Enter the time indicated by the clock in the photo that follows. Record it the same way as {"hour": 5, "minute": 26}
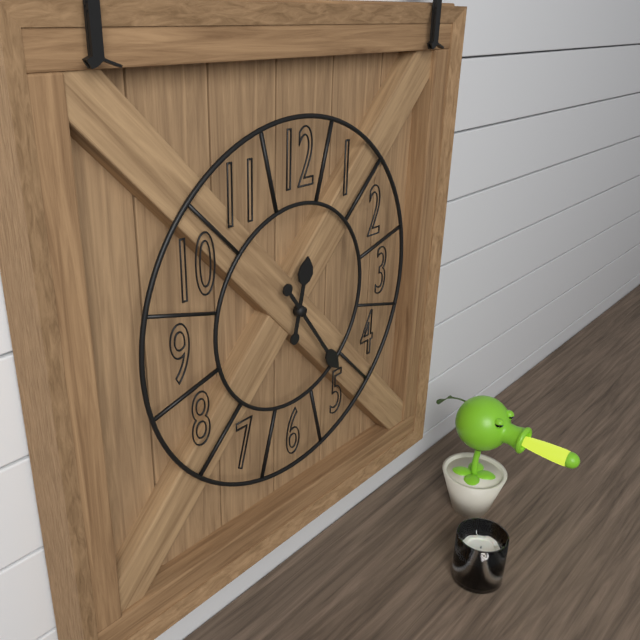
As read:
{"hour": 12, "minute": 24}
